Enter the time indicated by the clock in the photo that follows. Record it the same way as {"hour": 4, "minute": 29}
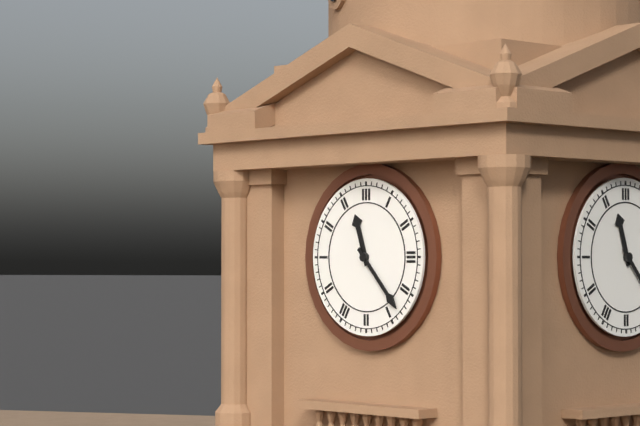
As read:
{"hour": 11, "minute": 23}
